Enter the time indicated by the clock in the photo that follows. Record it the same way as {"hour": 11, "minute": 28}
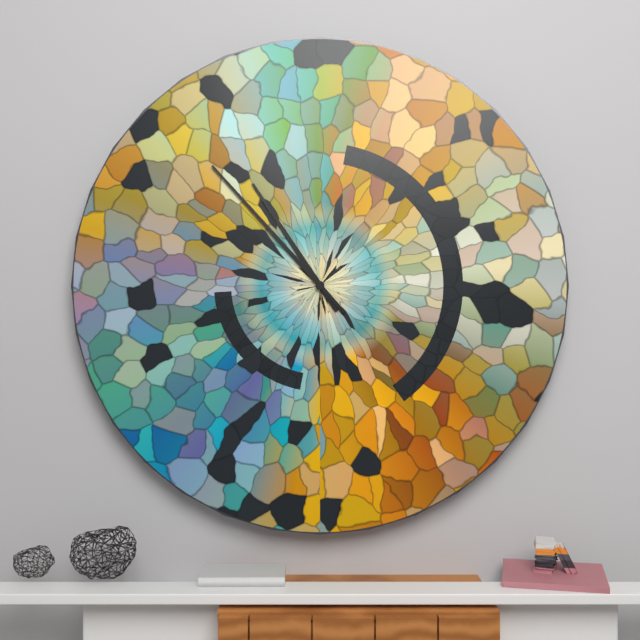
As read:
{"hour": 10, "minute": 53}
